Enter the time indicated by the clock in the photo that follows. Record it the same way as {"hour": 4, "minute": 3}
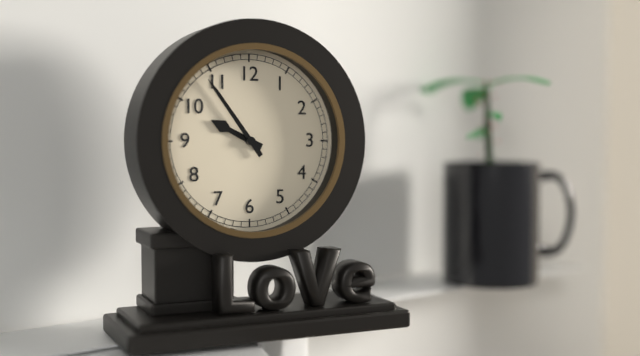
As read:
{"hour": 9, "minute": 54}
